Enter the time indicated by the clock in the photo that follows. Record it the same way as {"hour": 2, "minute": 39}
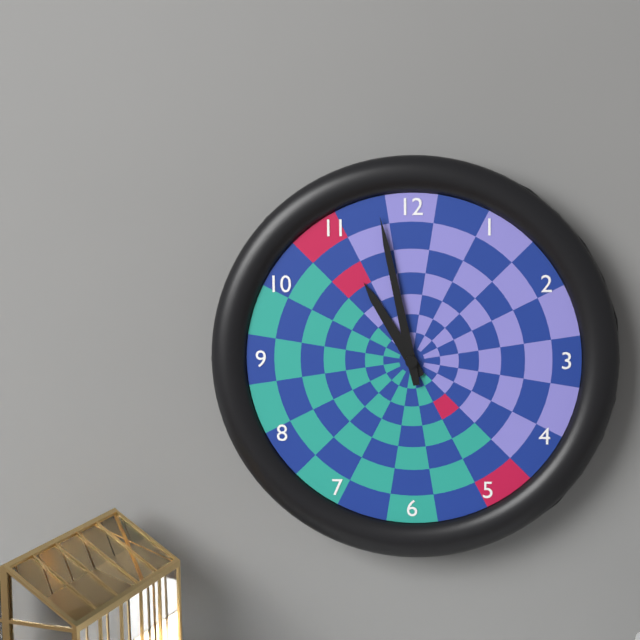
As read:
{"hour": 10, "minute": 58}
